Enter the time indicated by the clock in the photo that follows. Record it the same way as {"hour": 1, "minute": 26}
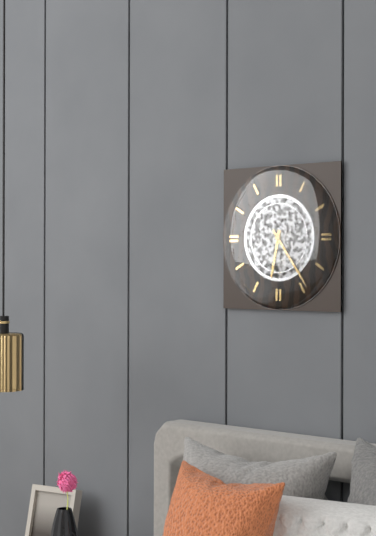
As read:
{"hour": 6, "minute": 24}
